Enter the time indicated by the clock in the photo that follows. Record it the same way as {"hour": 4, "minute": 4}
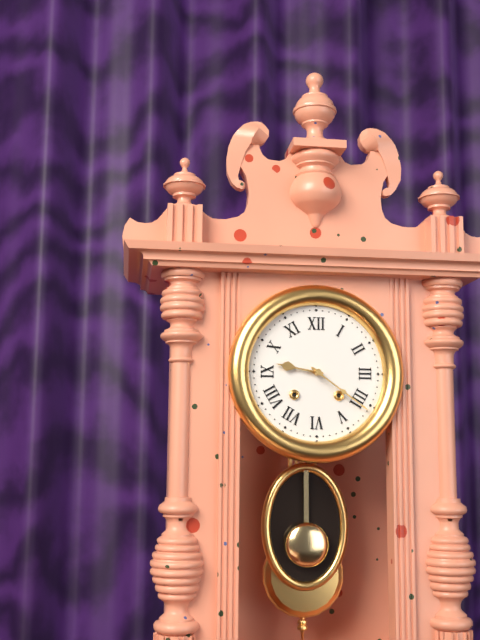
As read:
{"hour": 9, "minute": 21}
